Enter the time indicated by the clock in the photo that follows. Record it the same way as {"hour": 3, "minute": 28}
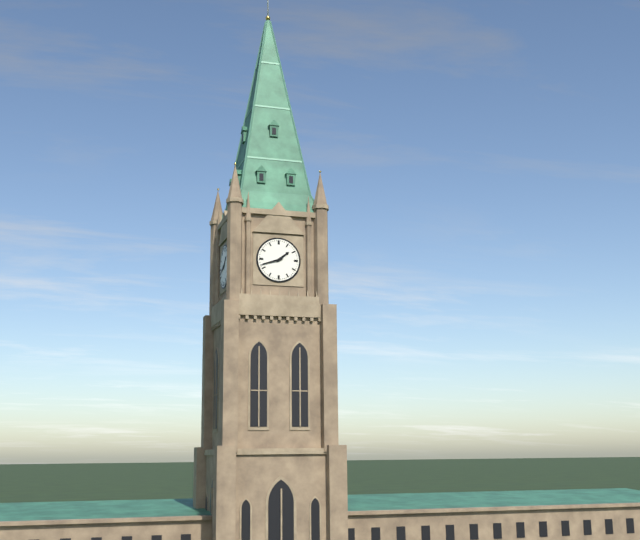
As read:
{"hour": 1, "minute": 42}
